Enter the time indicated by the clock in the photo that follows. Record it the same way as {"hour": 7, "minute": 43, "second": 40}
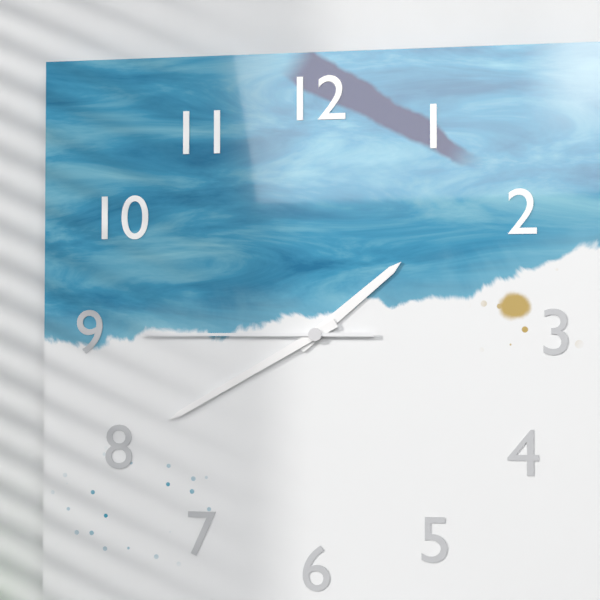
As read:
{"hour": 1, "minute": 40, "second": 45}
